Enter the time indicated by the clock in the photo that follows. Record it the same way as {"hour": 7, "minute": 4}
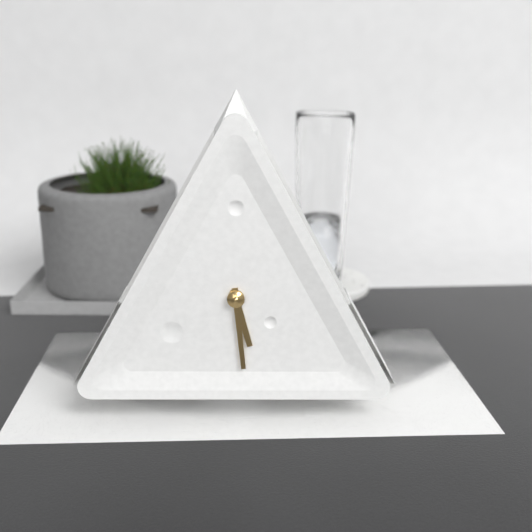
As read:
{"hour": 5, "minute": 29}
